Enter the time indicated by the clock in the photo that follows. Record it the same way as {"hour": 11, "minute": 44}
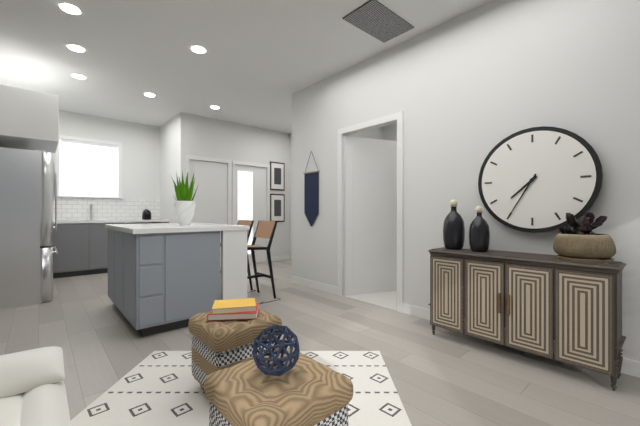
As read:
{"hour": 7, "minute": 35}
